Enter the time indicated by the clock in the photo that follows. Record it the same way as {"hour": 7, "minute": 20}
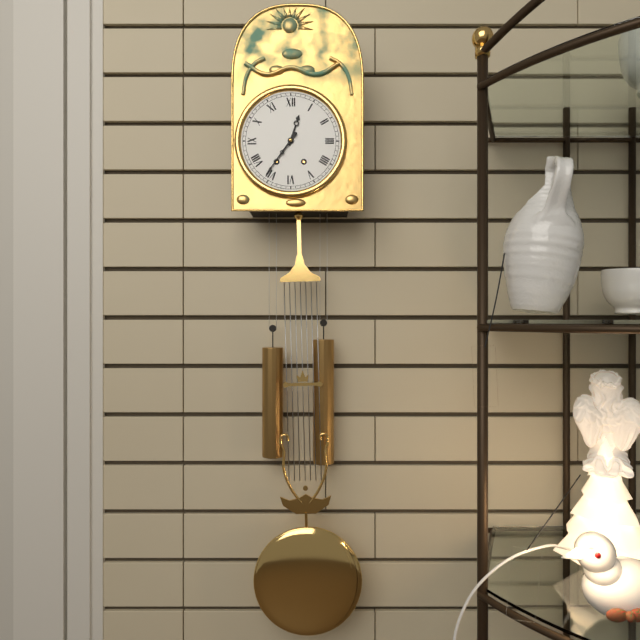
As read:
{"hour": 12, "minute": 36}
